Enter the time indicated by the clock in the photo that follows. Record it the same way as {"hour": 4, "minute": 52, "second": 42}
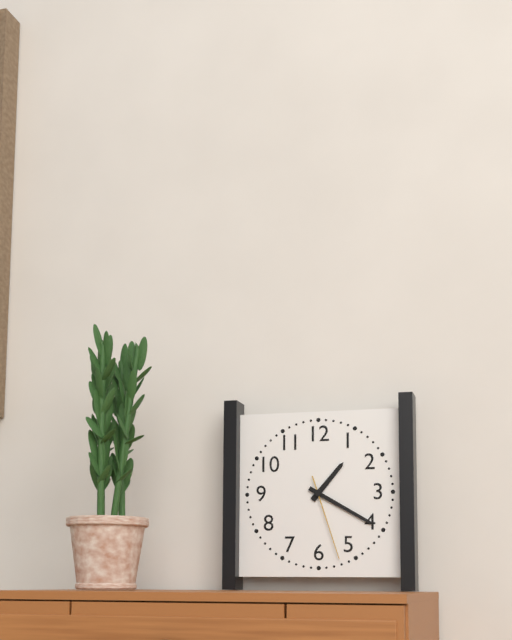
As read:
{"hour": 1, "minute": 20, "second": 27}
